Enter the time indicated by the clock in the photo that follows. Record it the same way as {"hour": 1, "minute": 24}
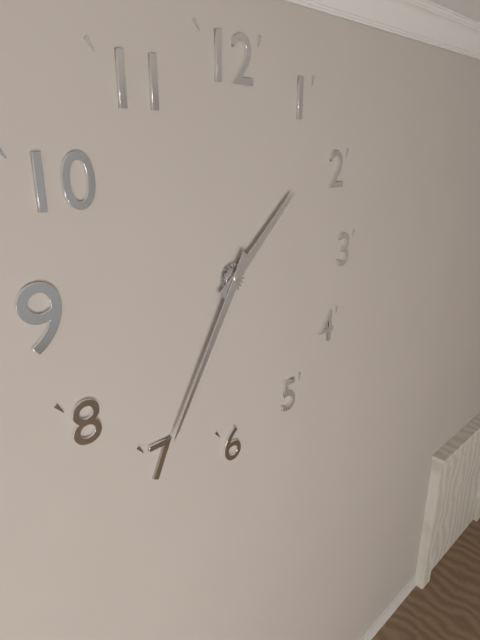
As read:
{"hour": 1, "minute": 35}
